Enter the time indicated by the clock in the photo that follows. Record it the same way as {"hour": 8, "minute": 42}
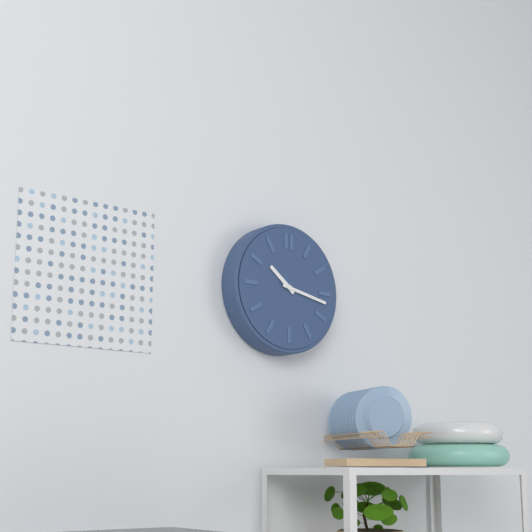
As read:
{"hour": 10, "minute": 17}
